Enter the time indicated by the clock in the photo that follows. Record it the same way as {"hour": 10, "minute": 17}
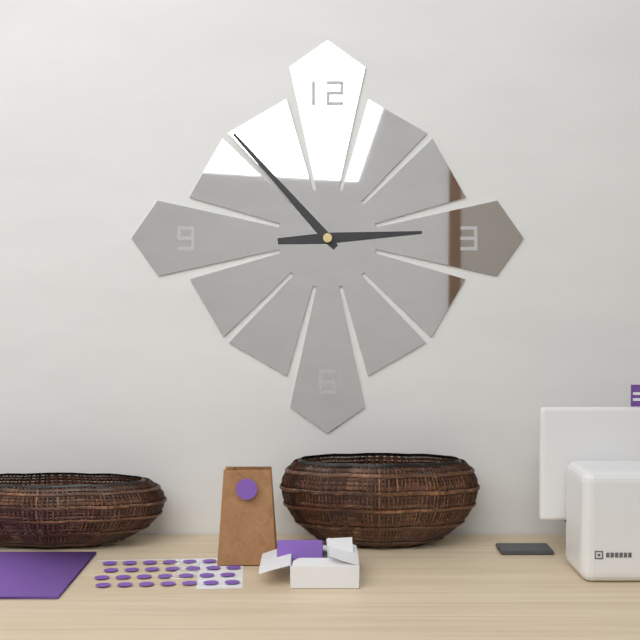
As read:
{"hour": 2, "minute": 53}
